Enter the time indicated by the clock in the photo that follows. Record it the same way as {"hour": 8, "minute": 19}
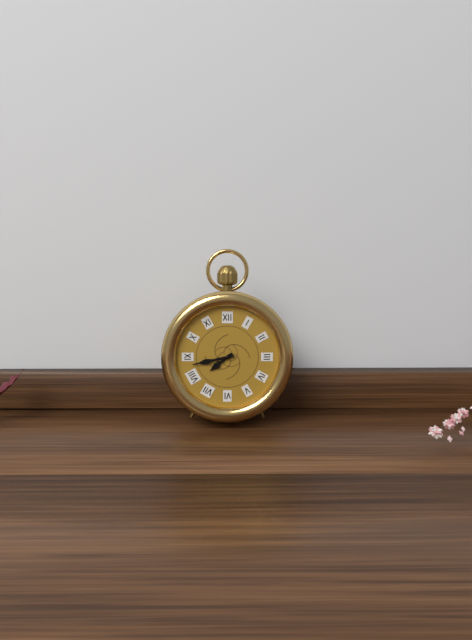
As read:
{"hour": 7, "minute": 43}
